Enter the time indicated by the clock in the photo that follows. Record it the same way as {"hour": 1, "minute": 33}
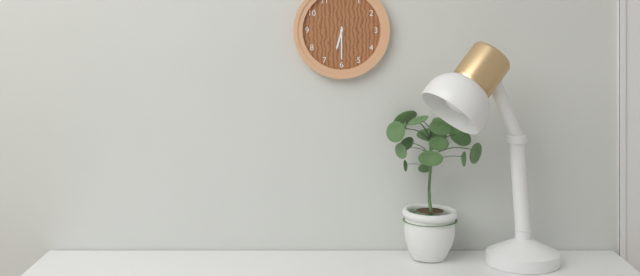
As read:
{"hour": 6, "minute": 30}
